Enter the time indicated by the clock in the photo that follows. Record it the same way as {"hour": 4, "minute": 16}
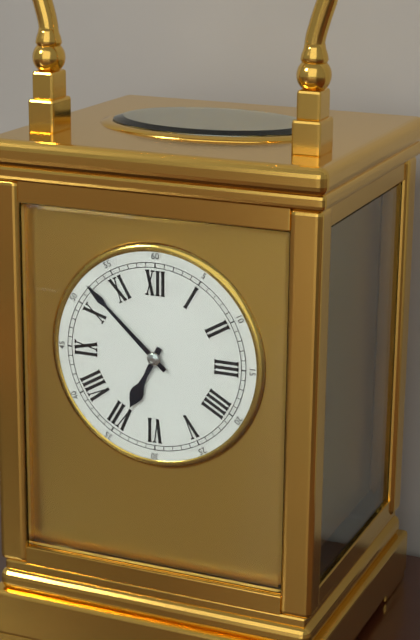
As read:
{"hour": 6, "minute": 52}
